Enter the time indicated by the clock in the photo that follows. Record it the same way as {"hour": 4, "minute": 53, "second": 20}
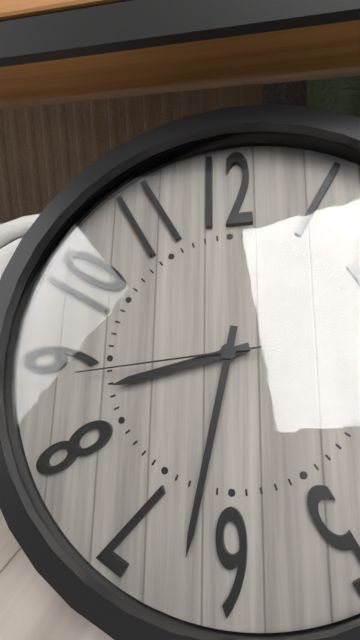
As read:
{"hour": 8, "minute": 32, "second": 44}
